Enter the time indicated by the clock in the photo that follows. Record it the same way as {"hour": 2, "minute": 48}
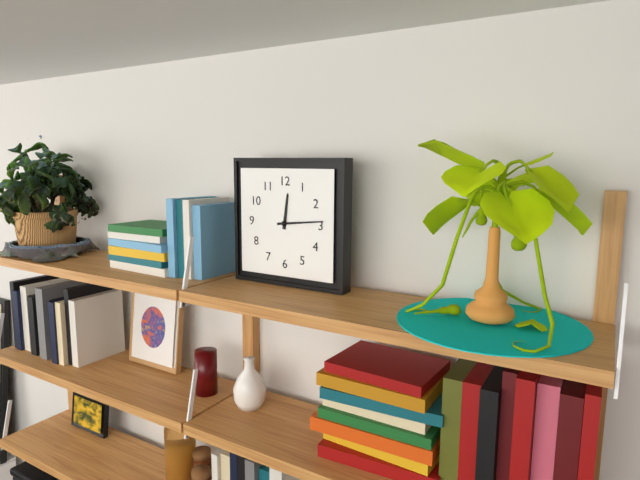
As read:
{"hour": 12, "minute": 14}
